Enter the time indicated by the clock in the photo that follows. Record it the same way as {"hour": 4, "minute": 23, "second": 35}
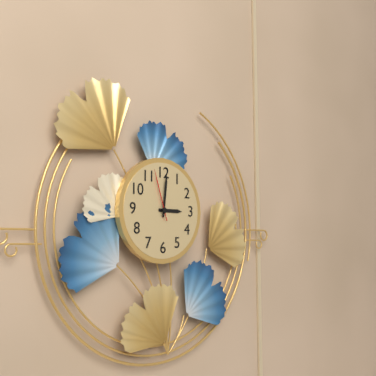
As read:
{"hour": 3, "minute": 1, "second": 57}
